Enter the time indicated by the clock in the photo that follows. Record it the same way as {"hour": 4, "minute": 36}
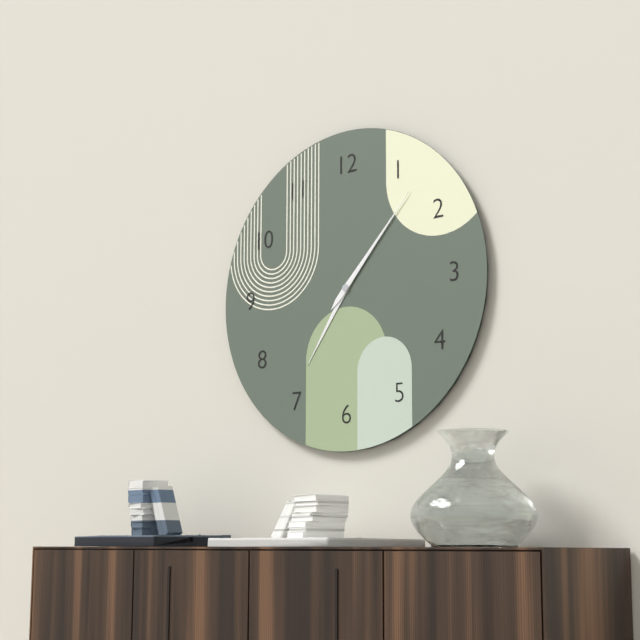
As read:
{"hour": 7, "minute": 7}
